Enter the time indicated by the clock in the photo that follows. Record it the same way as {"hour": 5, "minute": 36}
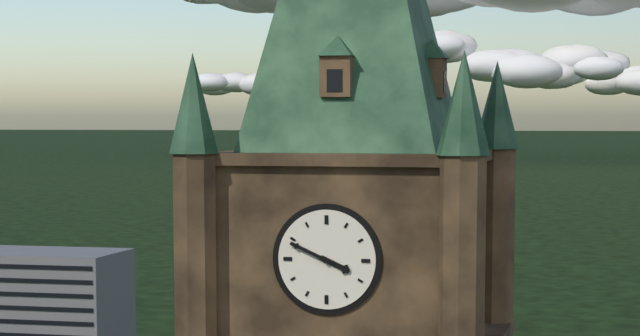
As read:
{"hour": 3, "minute": 49}
